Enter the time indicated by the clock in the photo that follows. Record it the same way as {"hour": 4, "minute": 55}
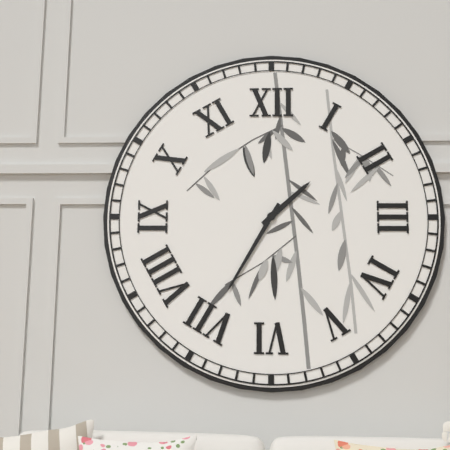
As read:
{"hour": 1, "minute": 35}
